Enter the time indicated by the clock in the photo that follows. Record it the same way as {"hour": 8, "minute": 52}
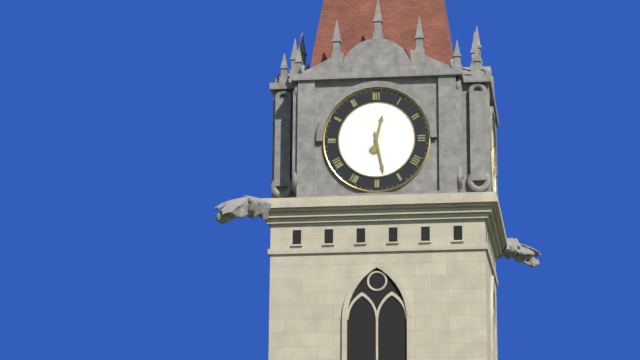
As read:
{"hour": 12, "minute": 28}
